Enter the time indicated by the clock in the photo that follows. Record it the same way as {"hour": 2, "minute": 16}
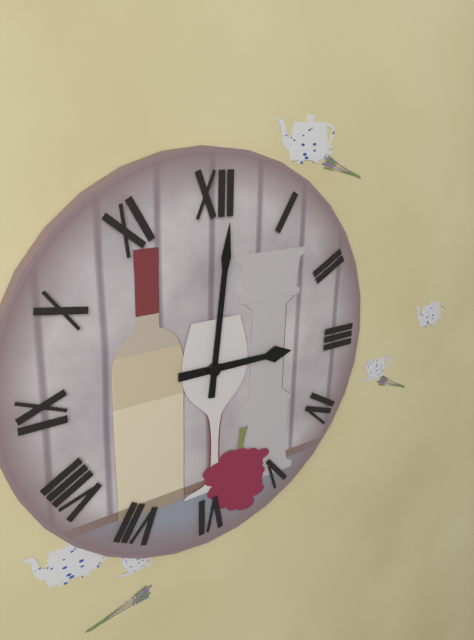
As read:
{"hour": 3, "minute": 1}
